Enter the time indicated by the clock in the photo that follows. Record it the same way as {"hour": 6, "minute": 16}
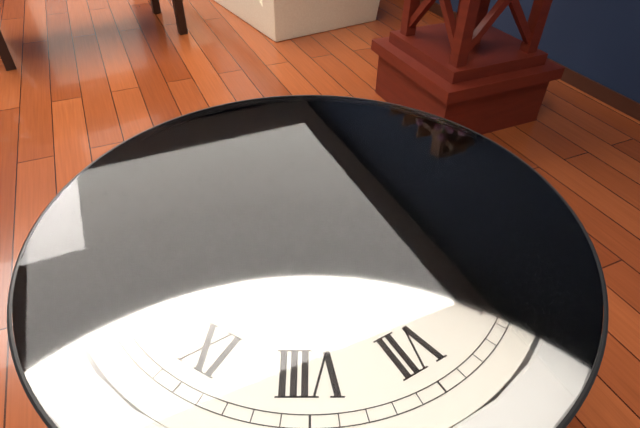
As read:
{"hour": 8, "minute": 26}
